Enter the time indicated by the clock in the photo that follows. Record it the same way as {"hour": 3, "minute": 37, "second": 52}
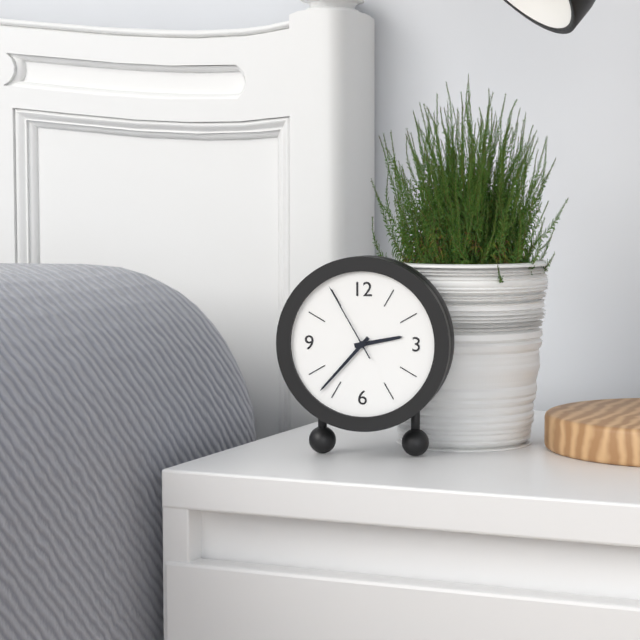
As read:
{"hour": 2, "minute": 37, "second": 55}
